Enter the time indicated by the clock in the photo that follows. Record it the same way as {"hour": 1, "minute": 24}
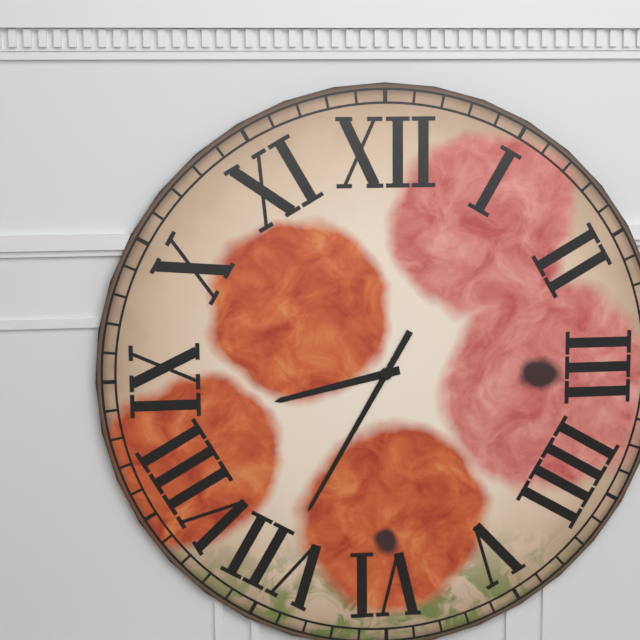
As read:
{"hour": 8, "minute": 35}
